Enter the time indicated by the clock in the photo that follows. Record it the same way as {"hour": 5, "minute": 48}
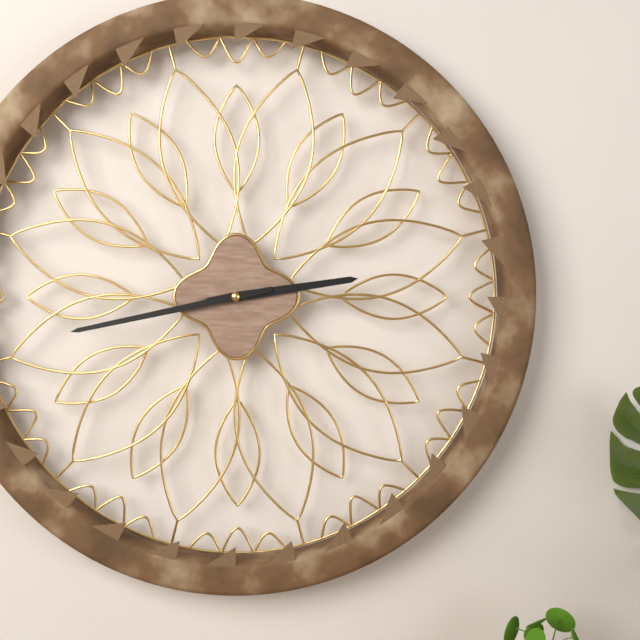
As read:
{"hour": 2, "minute": 43}
